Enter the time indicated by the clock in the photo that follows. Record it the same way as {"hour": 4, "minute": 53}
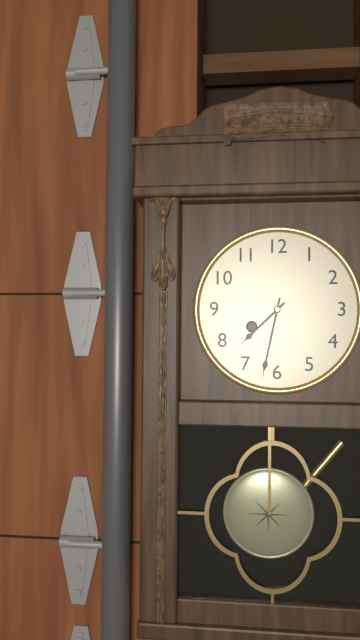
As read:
{"hour": 7, "minute": 32}
